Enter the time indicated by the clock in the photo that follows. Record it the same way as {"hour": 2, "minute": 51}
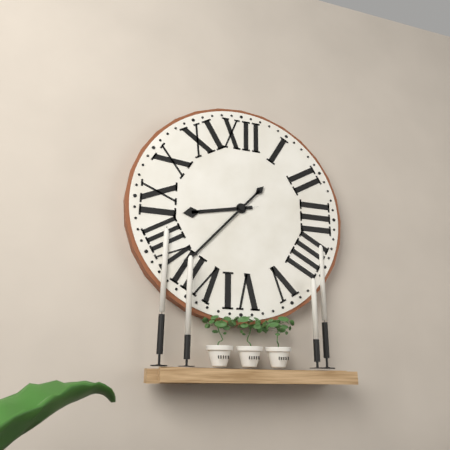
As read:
{"hour": 8, "minute": 37}
